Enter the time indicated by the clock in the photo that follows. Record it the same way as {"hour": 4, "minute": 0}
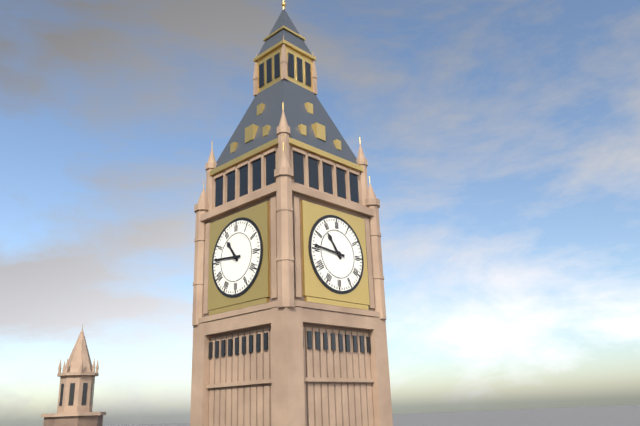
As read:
{"hour": 10, "minute": 46}
